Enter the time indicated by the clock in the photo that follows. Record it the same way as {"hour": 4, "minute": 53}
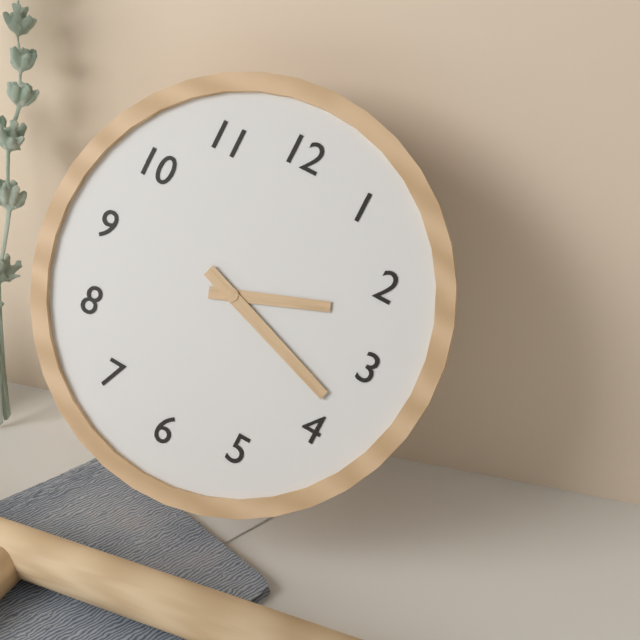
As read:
{"hour": 2, "minute": 18}
